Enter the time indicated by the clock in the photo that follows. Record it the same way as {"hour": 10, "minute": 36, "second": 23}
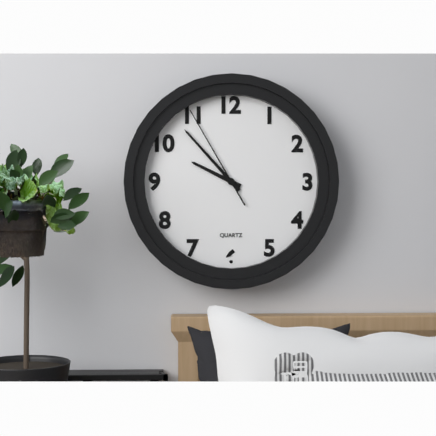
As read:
{"hour": 9, "minute": 53, "second": 55}
